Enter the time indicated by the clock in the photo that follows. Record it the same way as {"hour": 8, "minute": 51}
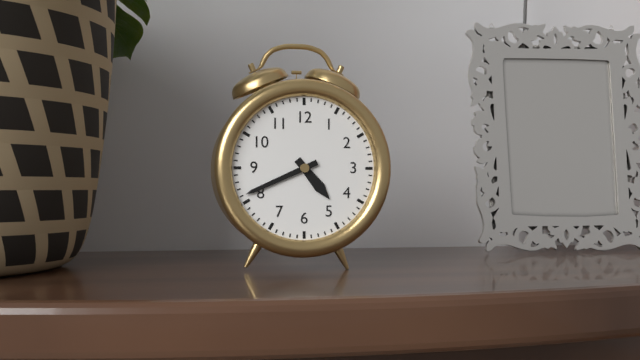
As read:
{"hour": 4, "minute": 41}
